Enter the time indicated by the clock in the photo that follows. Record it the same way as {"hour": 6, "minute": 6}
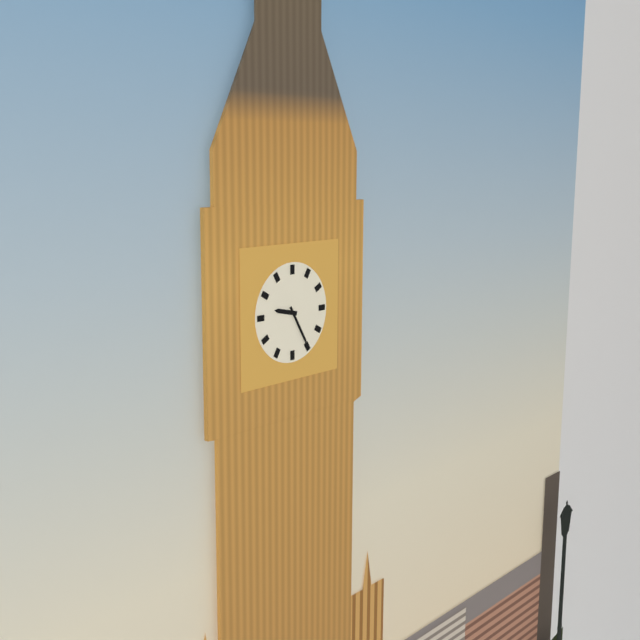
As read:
{"hour": 9, "minute": 25}
